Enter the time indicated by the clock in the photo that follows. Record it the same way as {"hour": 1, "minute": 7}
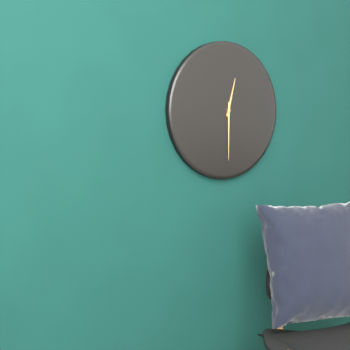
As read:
{"hour": 12, "minute": 30}
